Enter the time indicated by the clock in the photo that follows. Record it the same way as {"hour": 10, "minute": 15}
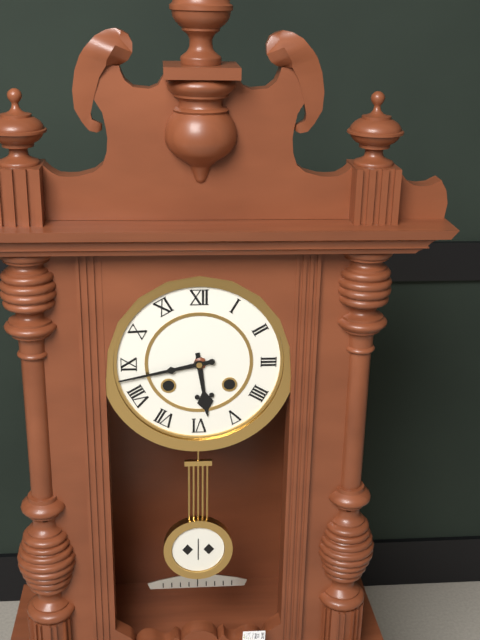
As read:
{"hour": 5, "minute": 43}
